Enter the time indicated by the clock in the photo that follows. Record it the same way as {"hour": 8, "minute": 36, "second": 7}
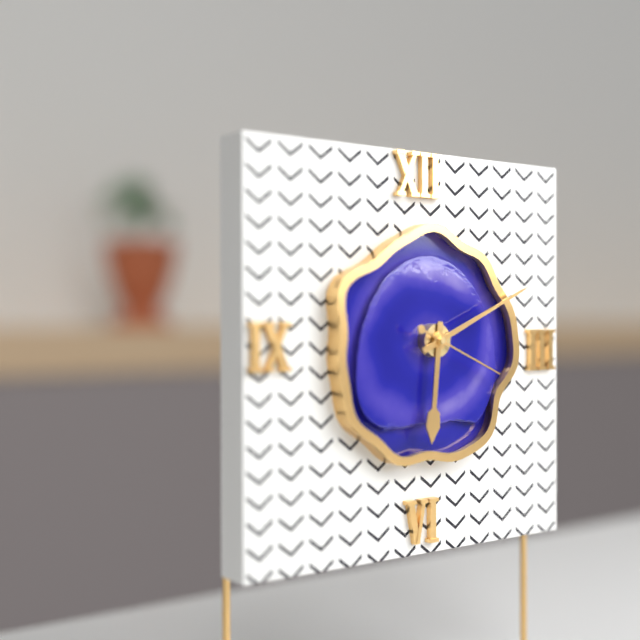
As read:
{"hour": 6, "minute": 11, "second": 19}
